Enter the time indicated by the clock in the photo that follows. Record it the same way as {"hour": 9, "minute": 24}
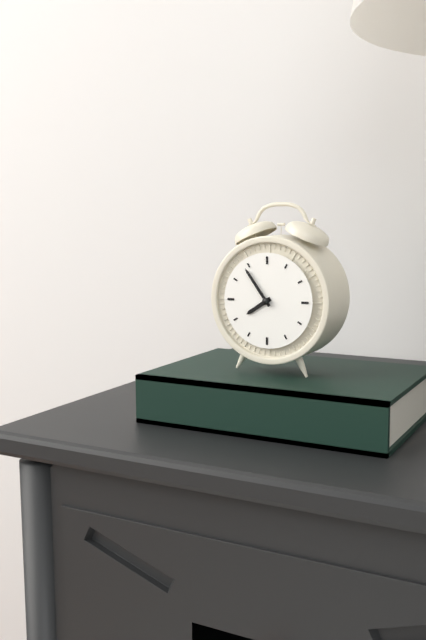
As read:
{"hour": 7, "minute": 54}
